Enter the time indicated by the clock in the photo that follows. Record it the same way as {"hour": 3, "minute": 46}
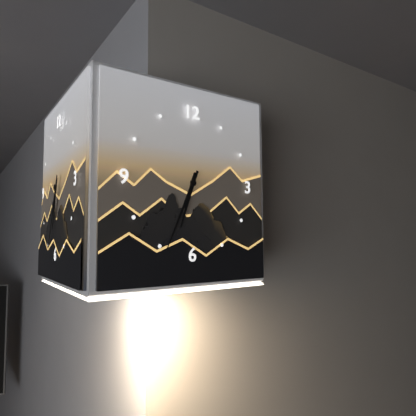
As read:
{"hour": 6, "minute": 34}
